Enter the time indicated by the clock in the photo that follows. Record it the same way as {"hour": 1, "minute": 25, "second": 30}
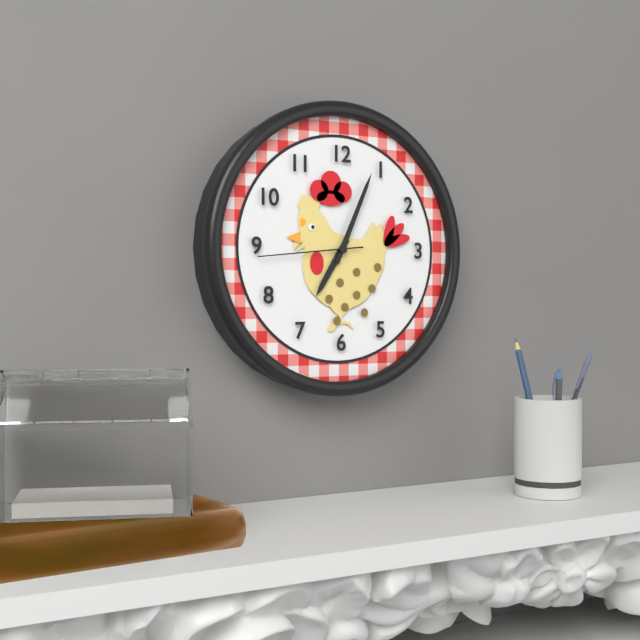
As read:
{"hour": 7, "minute": 4, "second": 44}
